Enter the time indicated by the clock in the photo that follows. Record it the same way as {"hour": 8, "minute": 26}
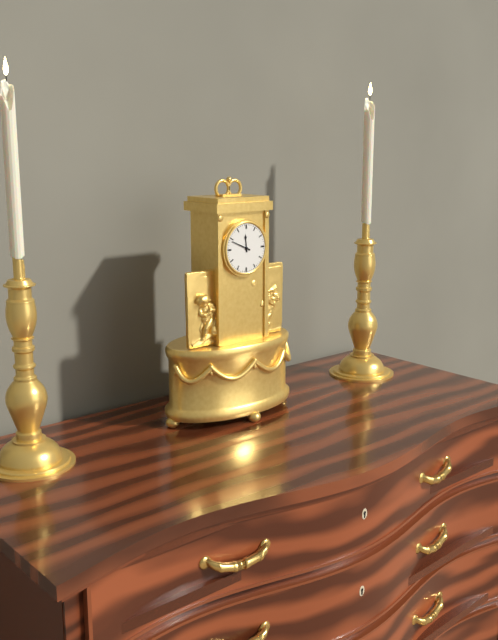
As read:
{"hour": 11, "minute": 49}
